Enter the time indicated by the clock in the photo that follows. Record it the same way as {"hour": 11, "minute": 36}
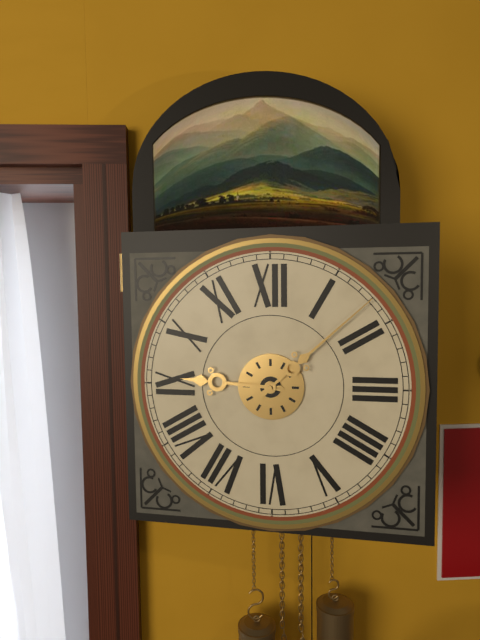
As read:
{"hour": 9, "minute": 8}
